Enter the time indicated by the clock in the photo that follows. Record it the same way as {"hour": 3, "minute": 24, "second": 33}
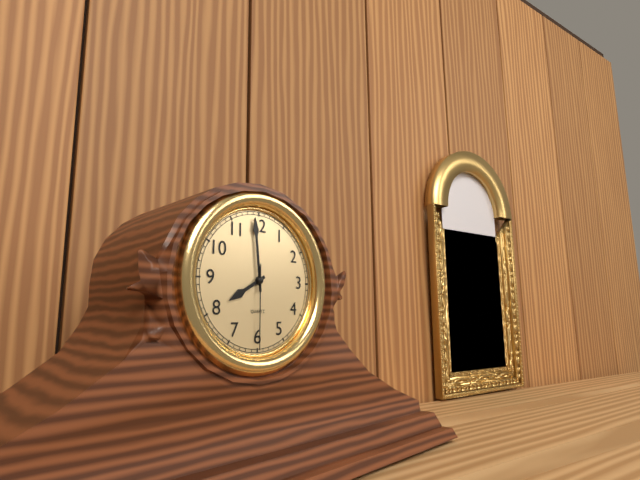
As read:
{"hour": 7, "minute": 59, "second": 30}
